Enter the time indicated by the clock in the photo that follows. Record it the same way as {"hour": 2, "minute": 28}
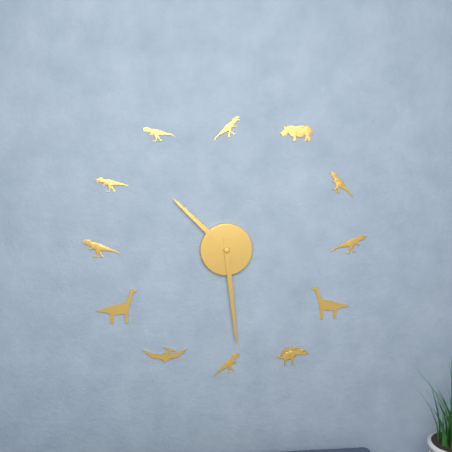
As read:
{"hour": 10, "minute": 29}
